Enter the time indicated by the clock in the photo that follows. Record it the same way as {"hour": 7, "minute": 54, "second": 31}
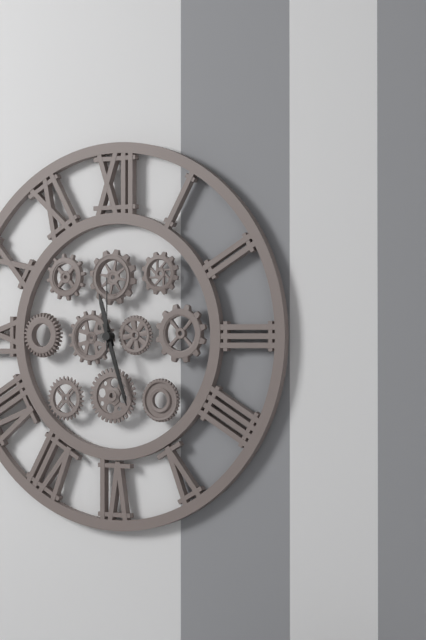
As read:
{"hour": 11, "minute": 27, "second": 0}
